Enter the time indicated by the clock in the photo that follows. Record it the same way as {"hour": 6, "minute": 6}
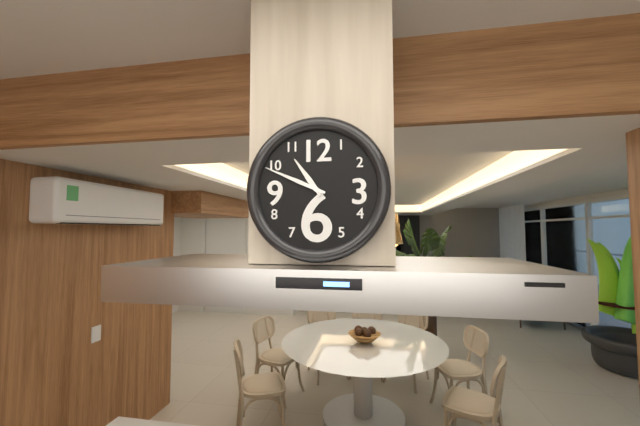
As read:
{"hour": 10, "minute": 49}
